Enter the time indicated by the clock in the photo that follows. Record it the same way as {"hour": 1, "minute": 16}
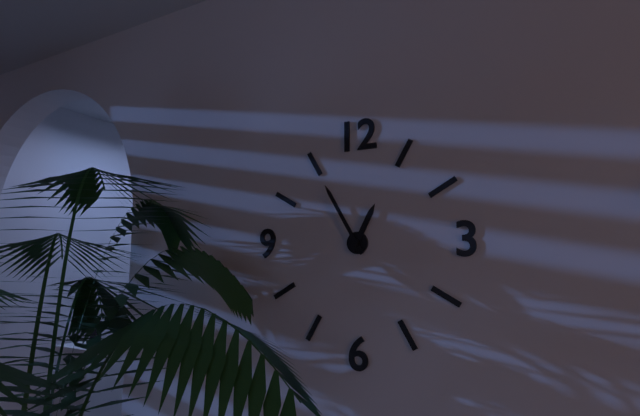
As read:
{"hour": 12, "minute": 55}
